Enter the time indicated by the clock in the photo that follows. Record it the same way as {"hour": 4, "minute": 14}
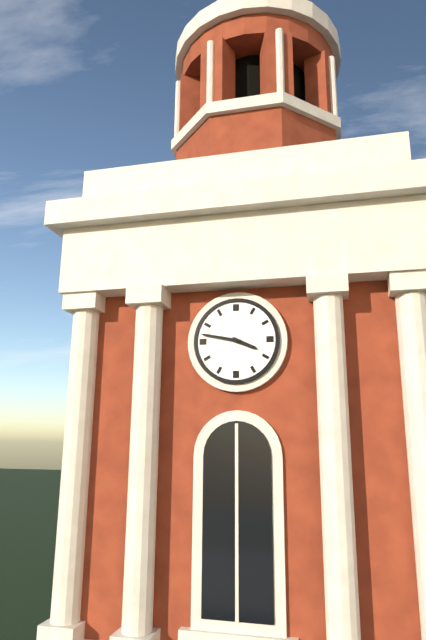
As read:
{"hour": 3, "minute": 47}
